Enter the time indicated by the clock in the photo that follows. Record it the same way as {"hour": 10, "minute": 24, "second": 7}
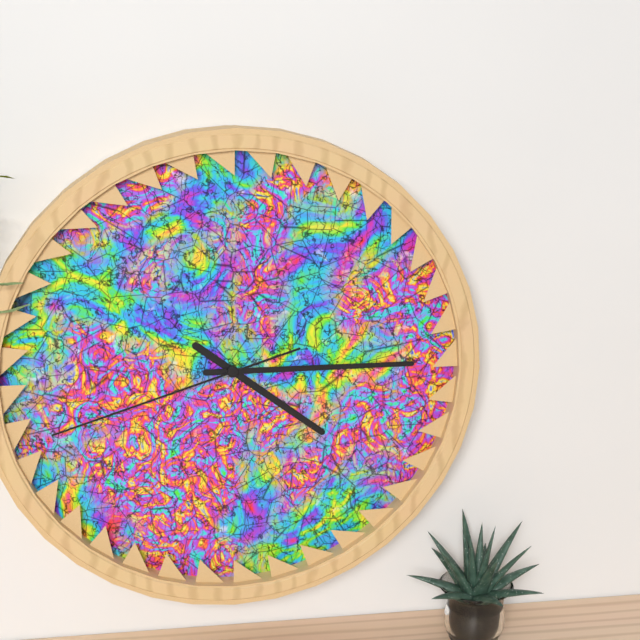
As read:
{"hour": 4, "minute": 15, "second": 42}
